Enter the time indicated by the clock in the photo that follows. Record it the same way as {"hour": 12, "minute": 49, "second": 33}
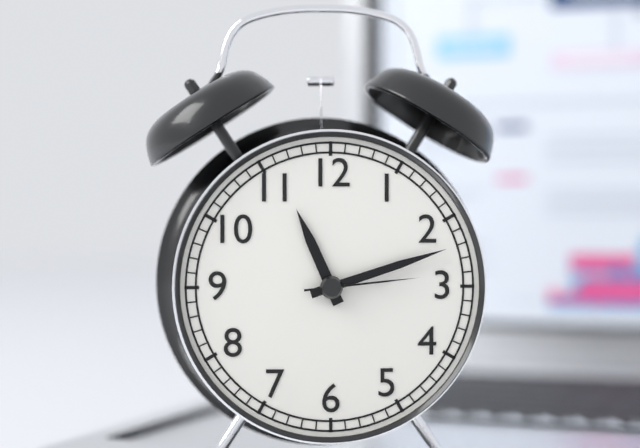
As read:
{"hour": 11, "minute": 12, "second": 14}
